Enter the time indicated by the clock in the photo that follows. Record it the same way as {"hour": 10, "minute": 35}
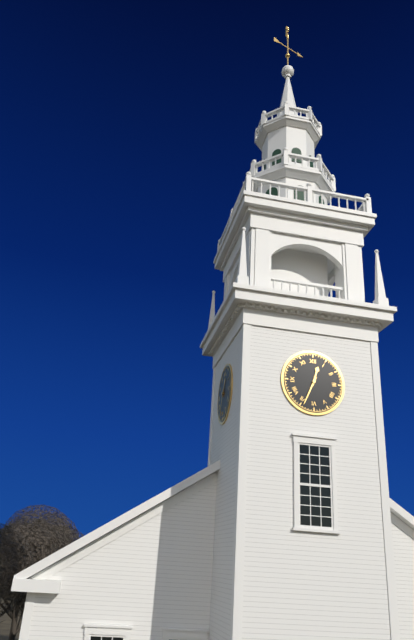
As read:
{"hour": 12, "minute": 34}
